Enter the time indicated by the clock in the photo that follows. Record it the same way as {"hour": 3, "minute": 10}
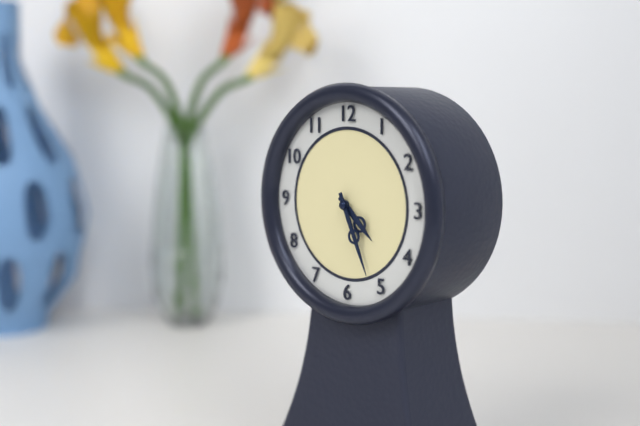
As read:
{"hour": 4, "minute": 26}
